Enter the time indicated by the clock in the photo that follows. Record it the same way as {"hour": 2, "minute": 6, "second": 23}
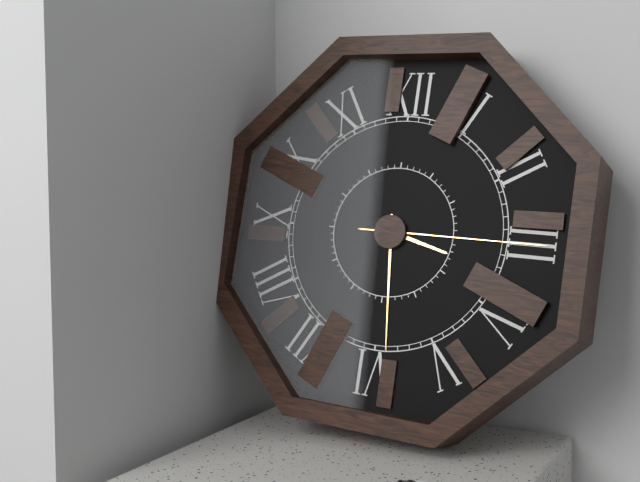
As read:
{"hour": 3, "minute": 29, "second": 15}
